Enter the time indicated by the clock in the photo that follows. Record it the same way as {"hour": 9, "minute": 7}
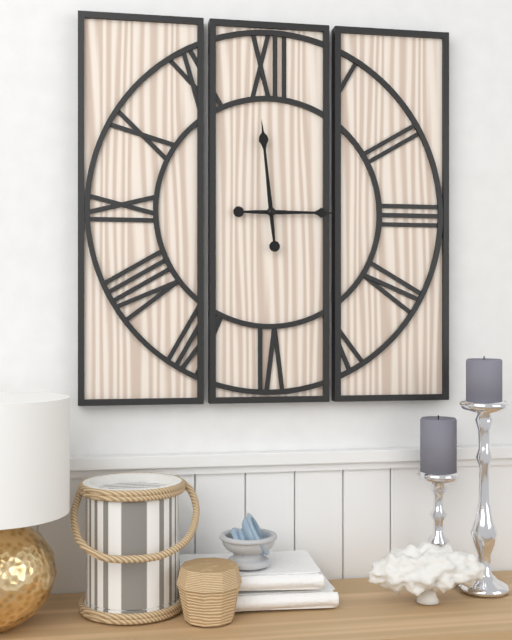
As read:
{"hour": 2, "minute": 59}
